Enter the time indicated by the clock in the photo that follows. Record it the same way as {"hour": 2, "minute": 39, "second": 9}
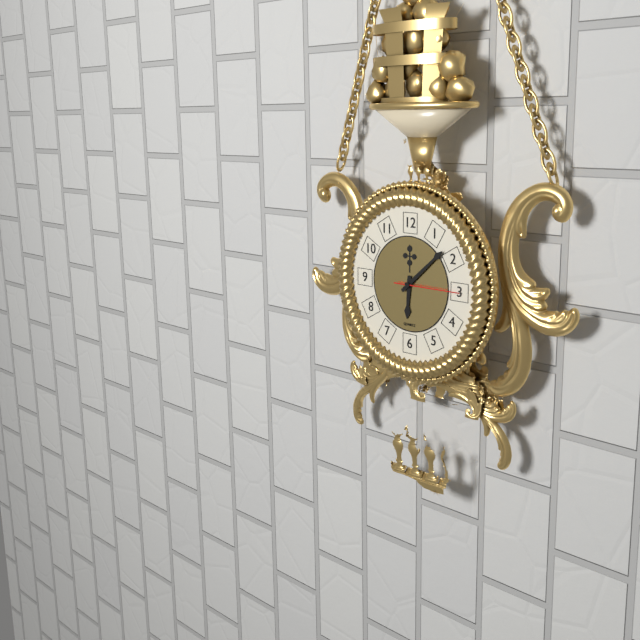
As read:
{"hour": 6, "minute": 8, "second": 15}
